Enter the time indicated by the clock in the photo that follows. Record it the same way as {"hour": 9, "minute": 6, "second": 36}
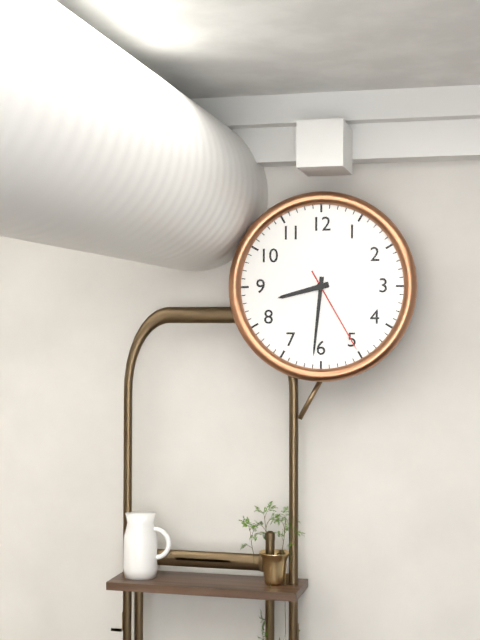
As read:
{"hour": 8, "minute": 31, "second": 25}
